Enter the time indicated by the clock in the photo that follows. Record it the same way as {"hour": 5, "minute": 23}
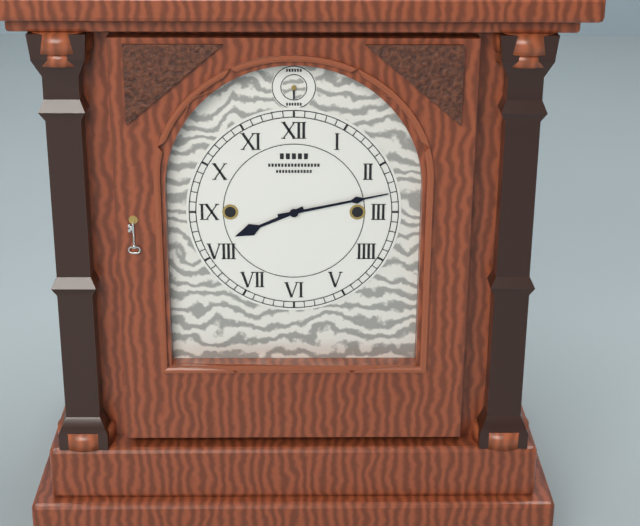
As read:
{"hour": 8, "minute": 13}
